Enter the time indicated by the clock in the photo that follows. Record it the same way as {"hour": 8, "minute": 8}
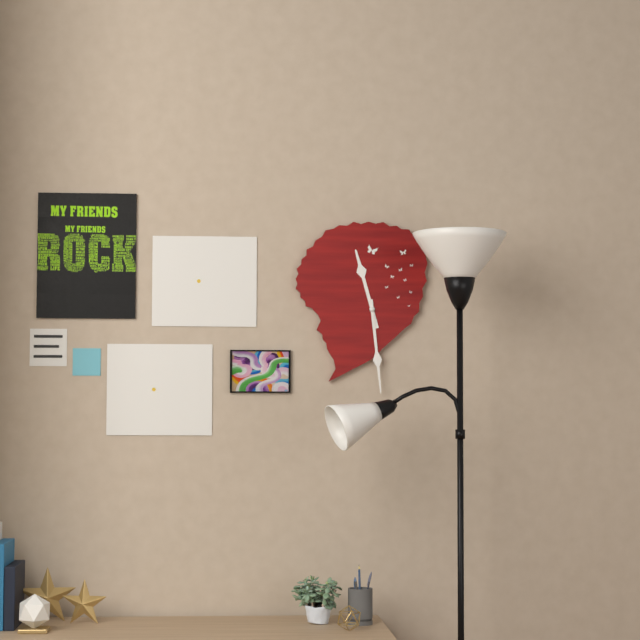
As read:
{"hour": 11, "minute": 29}
